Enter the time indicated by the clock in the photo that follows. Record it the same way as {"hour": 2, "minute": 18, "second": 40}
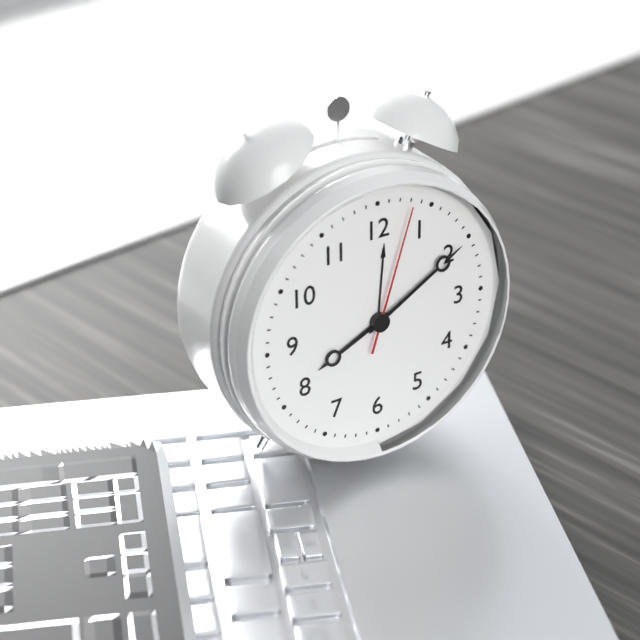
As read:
{"hour": 8, "minute": 10, "second": 3}
